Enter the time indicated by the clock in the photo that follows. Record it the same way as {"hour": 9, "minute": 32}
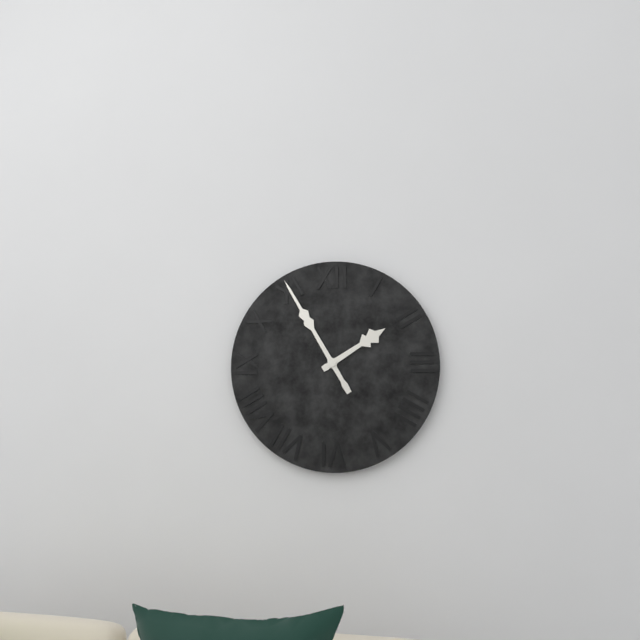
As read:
{"hour": 1, "minute": 55}
